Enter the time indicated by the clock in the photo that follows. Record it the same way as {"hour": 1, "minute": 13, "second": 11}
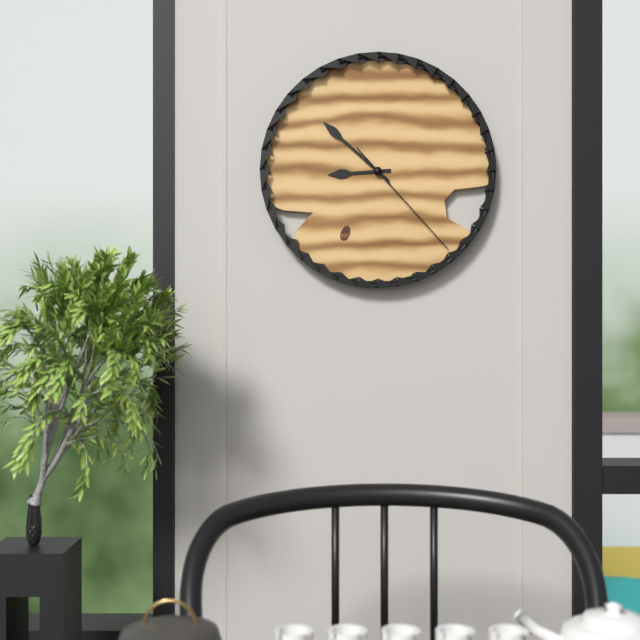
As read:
{"hour": 8, "minute": 52, "second": 23}
